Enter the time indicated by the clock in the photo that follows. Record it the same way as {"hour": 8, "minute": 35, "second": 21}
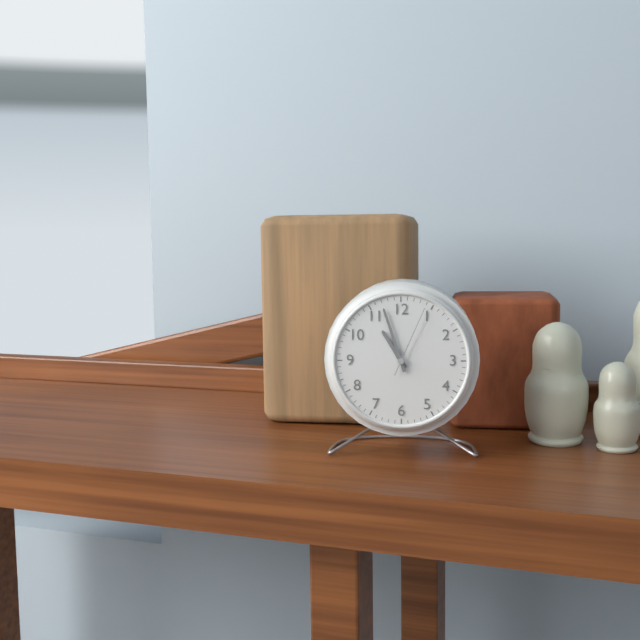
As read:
{"hour": 10, "minute": 57, "second": 4}
